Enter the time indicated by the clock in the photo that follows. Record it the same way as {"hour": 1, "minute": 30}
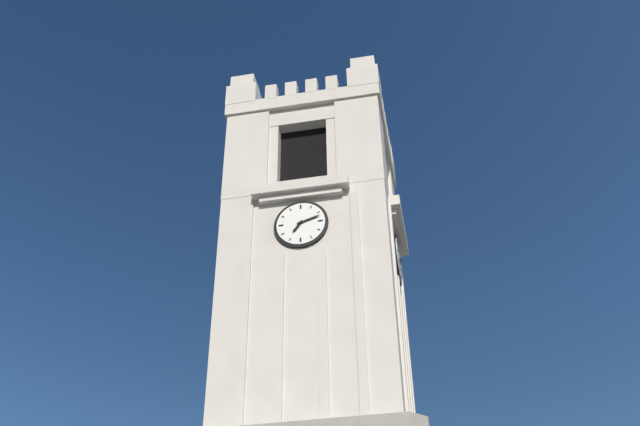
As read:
{"hour": 7, "minute": 12}
